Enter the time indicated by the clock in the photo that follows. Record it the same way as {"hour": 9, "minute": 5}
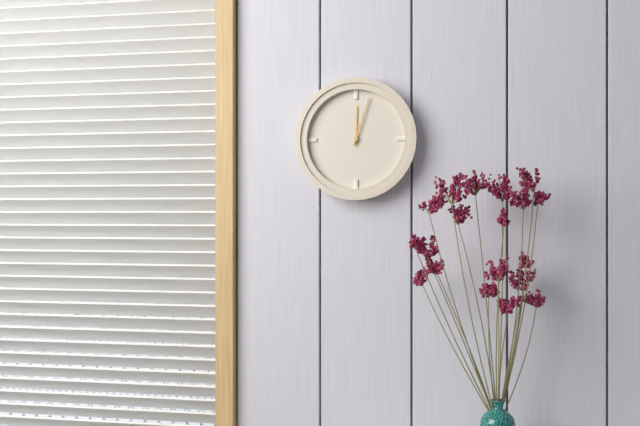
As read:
{"hour": 12, "minute": 3}
